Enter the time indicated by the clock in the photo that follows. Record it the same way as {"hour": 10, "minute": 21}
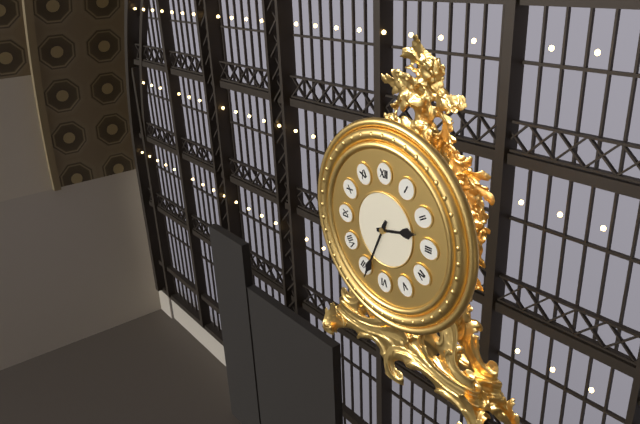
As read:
{"hour": 2, "minute": 34}
